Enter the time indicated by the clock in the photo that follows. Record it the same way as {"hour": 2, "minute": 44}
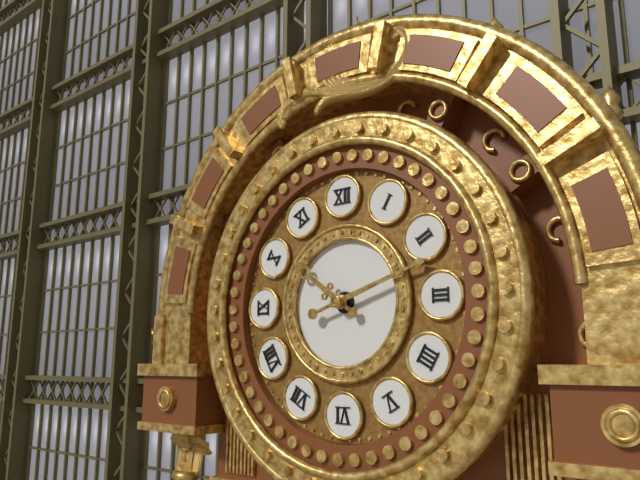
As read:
{"hour": 10, "minute": 12}
